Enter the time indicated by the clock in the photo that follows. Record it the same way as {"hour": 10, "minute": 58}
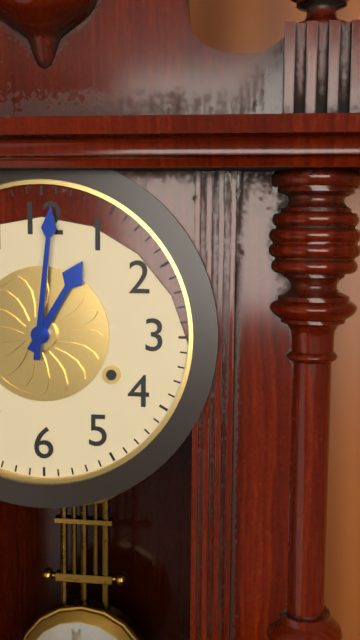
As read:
{"hour": 1, "minute": 1}
